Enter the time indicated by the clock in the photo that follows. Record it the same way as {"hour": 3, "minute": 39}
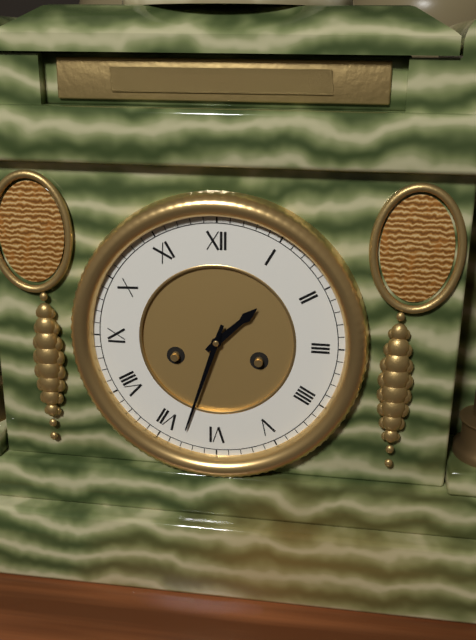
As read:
{"hour": 1, "minute": 33}
